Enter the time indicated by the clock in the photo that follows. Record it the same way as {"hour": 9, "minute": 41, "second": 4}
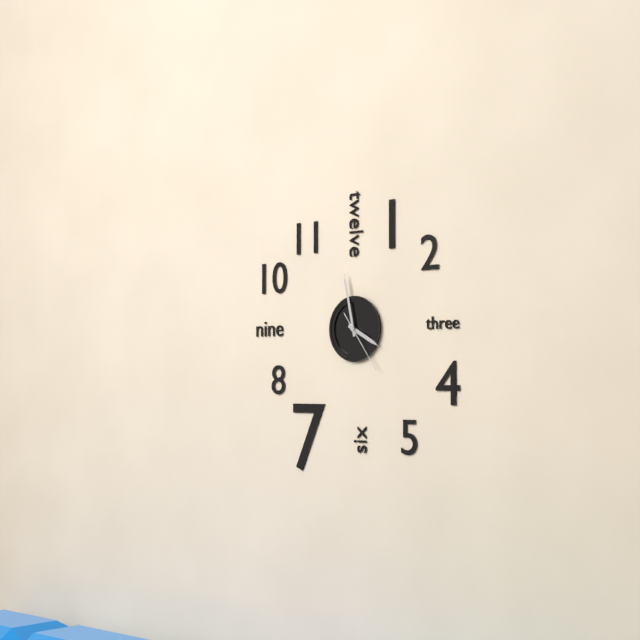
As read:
{"hour": 3, "minute": 58, "second": 24}
